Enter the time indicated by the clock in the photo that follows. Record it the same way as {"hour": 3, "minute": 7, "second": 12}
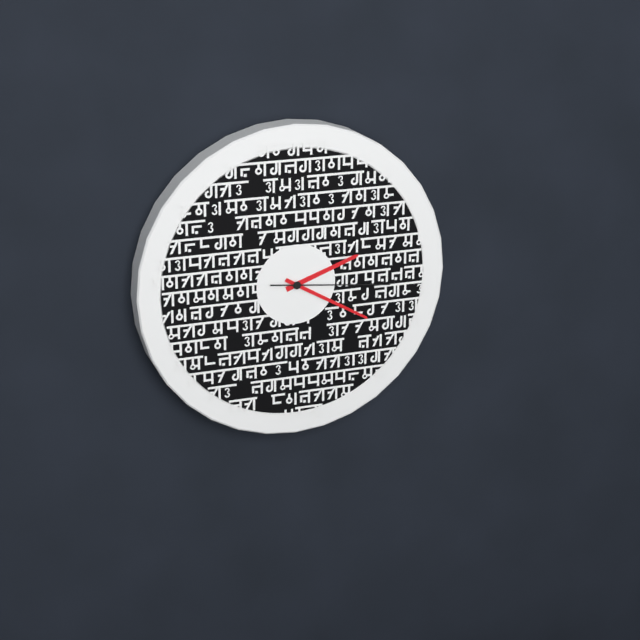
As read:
{"hour": 2, "minute": 20, "second": 16}
